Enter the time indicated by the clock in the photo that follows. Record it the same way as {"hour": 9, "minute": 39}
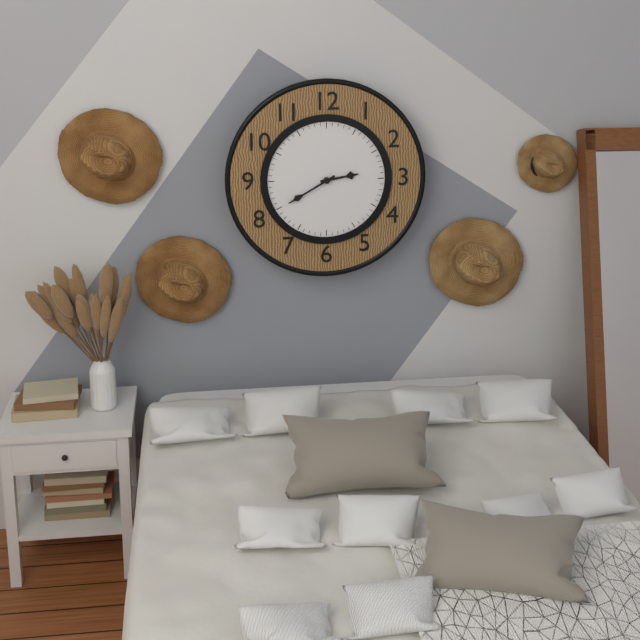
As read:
{"hour": 2, "minute": 40}
